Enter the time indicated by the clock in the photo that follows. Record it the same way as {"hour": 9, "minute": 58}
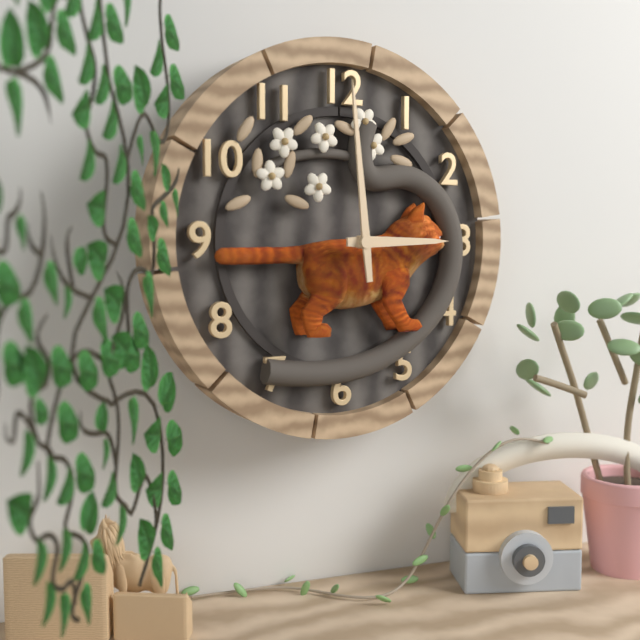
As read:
{"hour": 2, "minute": 59}
